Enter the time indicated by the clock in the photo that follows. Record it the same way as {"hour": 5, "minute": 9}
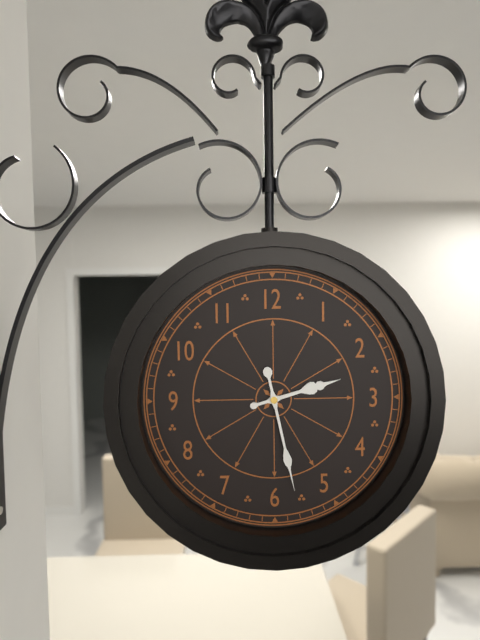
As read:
{"hour": 2, "minute": 28}
